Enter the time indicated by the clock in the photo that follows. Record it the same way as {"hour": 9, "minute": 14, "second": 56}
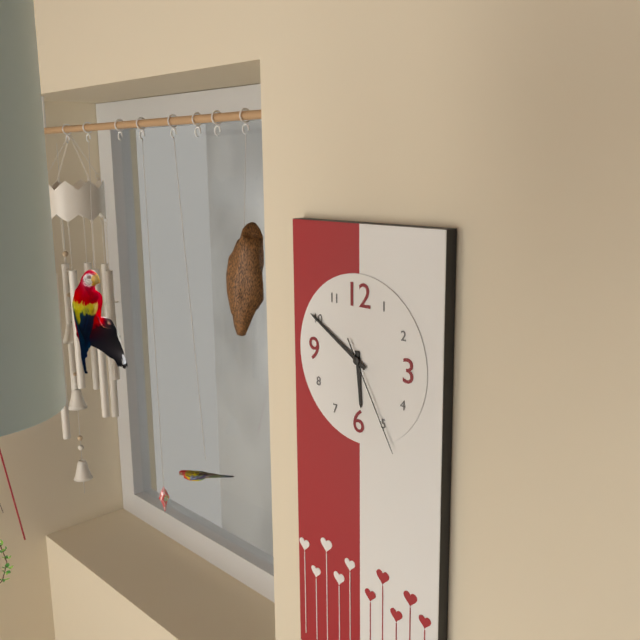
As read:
{"hour": 5, "minute": 50, "second": 25}
